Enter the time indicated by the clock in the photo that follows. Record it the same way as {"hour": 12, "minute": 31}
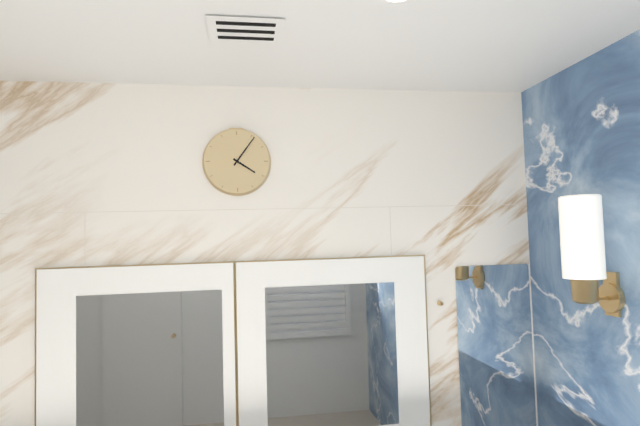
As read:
{"hour": 4, "minute": 6}
